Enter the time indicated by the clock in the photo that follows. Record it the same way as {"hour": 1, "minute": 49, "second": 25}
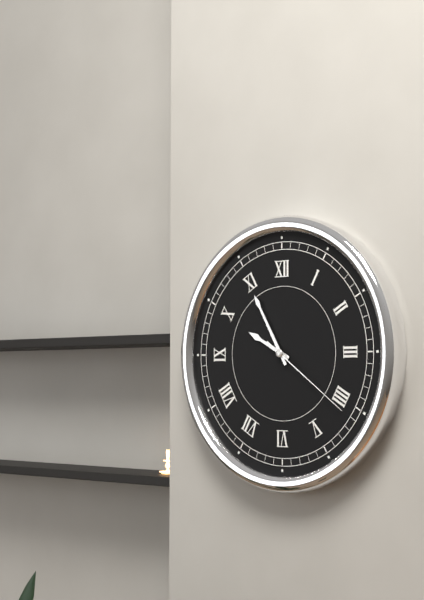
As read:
{"hour": 9, "minute": 55, "second": 21}
